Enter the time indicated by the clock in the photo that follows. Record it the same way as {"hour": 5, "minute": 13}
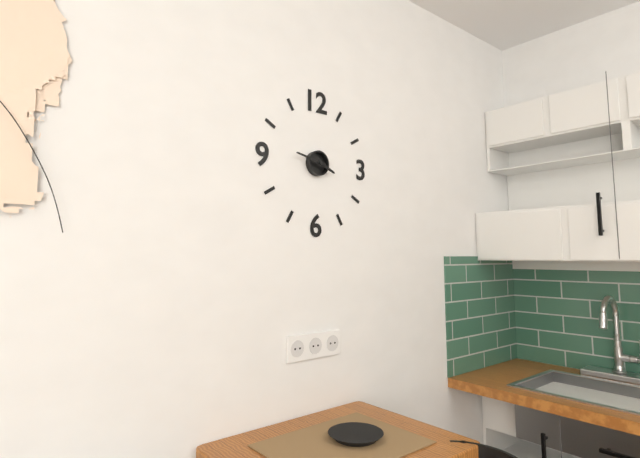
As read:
{"hour": 3, "minute": 47}
